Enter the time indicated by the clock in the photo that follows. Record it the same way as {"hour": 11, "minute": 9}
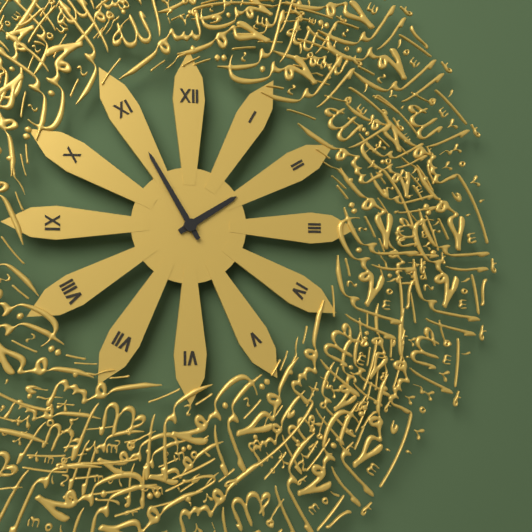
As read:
{"hour": 1, "minute": 55}
